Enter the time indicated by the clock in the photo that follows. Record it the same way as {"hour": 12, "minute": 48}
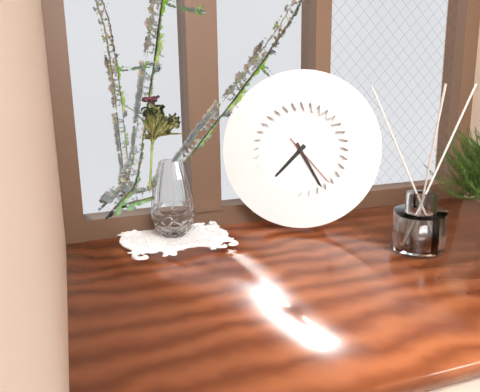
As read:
{"hour": 7, "minute": 25}
